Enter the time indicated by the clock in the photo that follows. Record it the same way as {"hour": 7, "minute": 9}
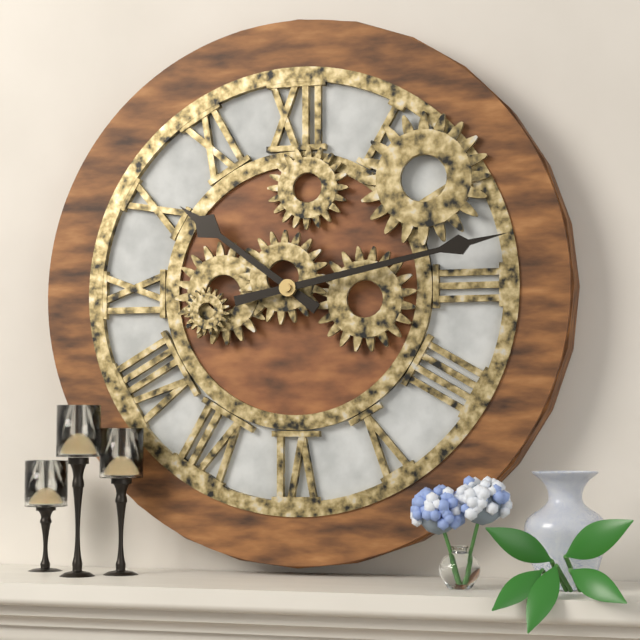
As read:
{"hour": 10, "minute": 13}
